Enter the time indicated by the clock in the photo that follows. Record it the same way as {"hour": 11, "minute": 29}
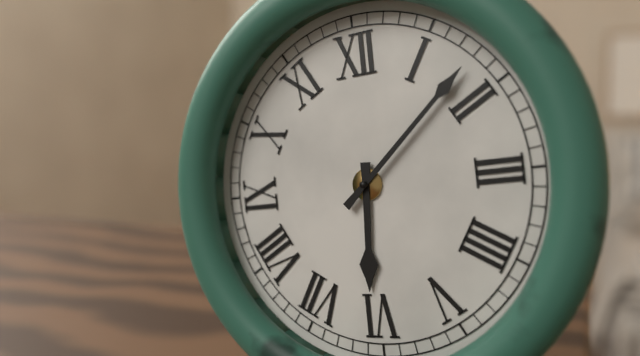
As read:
{"hour": 6, "minute": 8}
